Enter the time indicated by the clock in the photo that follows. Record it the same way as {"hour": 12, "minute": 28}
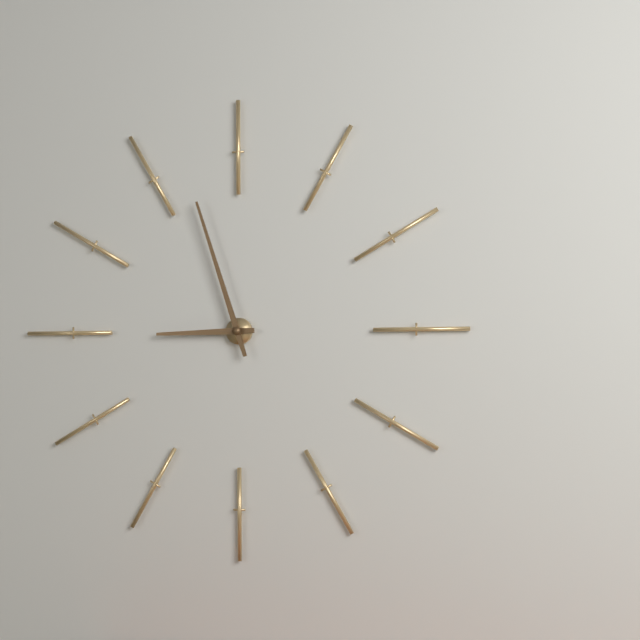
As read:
{"hour": 8, "minute": 57}
